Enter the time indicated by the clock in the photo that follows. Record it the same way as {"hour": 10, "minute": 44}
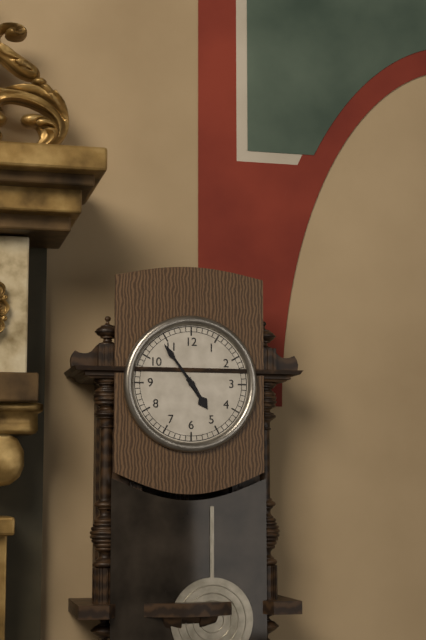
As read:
{"hour": 4, "minute": 54}
